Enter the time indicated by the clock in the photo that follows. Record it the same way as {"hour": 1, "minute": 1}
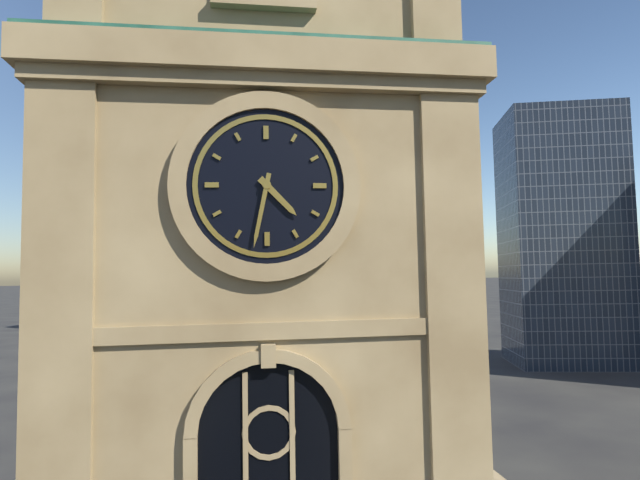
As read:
{"hour": 4, "minute": 32}
